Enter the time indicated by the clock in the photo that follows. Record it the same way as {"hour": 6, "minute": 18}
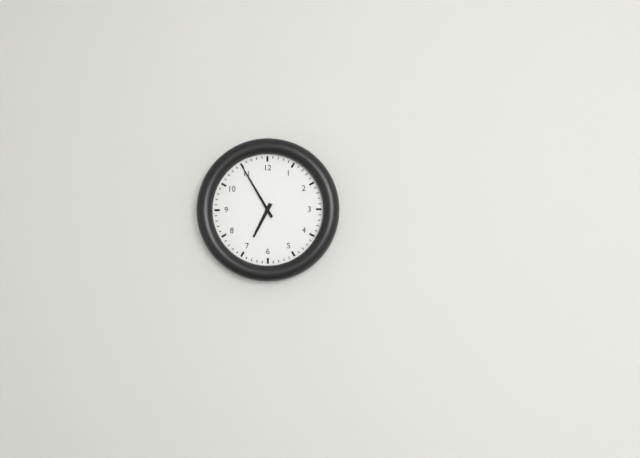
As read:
{"hour": 6, "minute": 55}
